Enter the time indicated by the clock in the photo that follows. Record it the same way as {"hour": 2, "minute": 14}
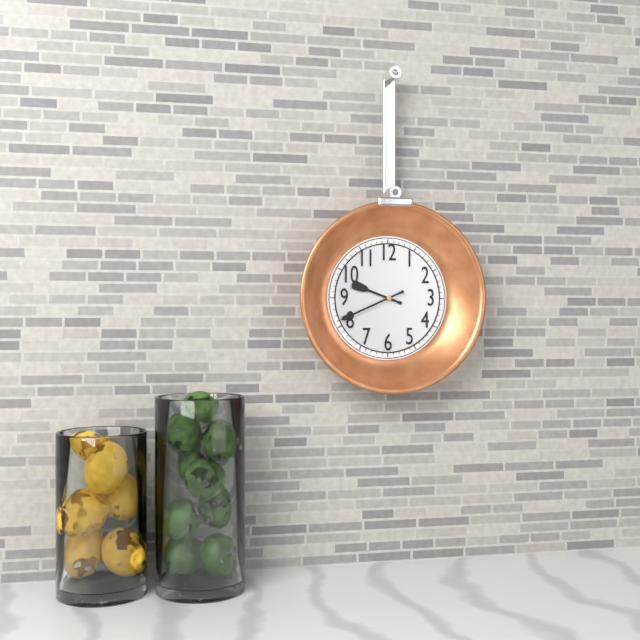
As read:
{"hour": 9, "minute": 41}
